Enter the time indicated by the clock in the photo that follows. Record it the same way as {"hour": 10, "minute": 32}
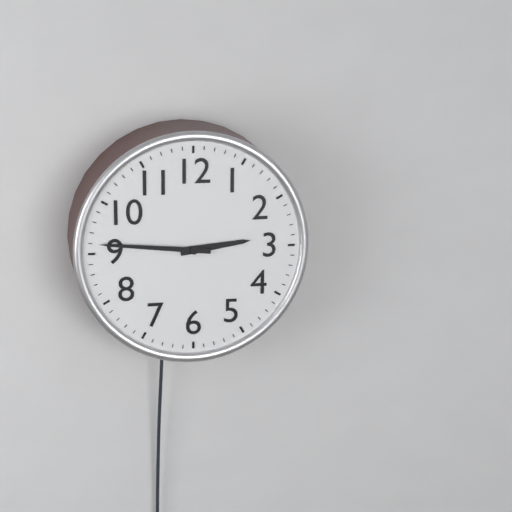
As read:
{"hour": 2, "minute": 46}
